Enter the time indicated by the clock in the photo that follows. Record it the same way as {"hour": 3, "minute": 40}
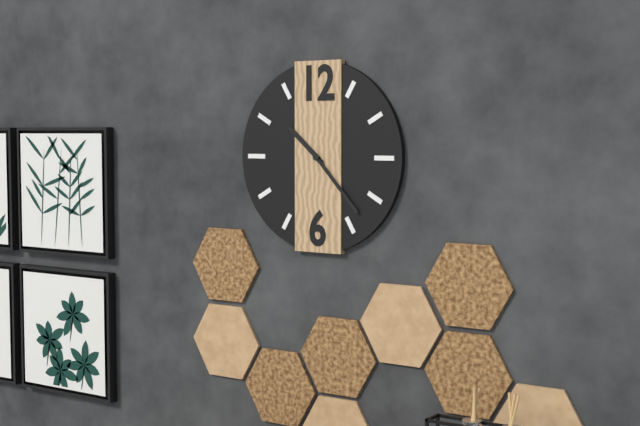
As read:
{"hour": 10, "minute": 23}
